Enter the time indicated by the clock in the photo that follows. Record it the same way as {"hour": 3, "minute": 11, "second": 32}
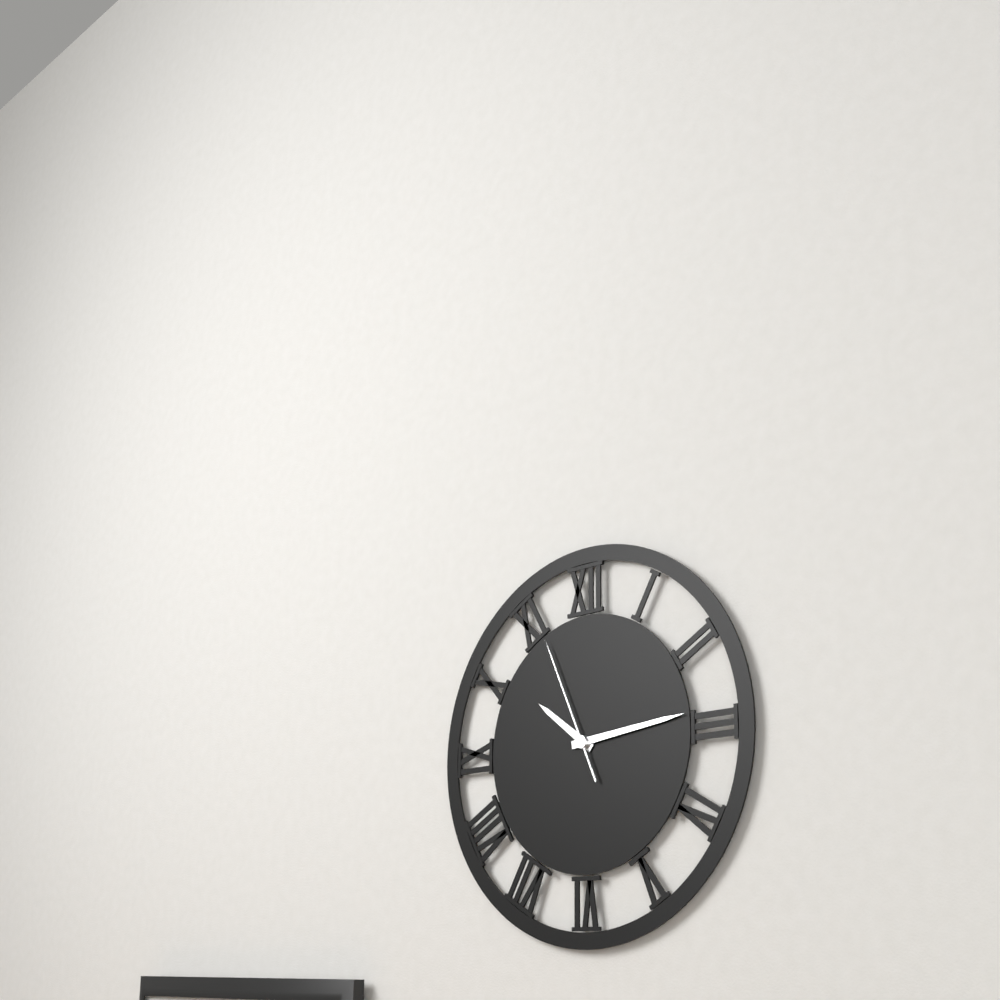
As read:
{"hour": 10, "minute": 14, "second": 56}
